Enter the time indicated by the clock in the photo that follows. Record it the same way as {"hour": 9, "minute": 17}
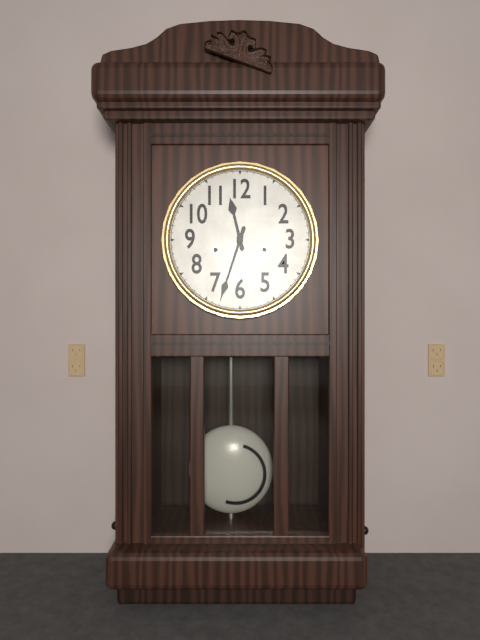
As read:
{"hour": 11, "minute": 33}
